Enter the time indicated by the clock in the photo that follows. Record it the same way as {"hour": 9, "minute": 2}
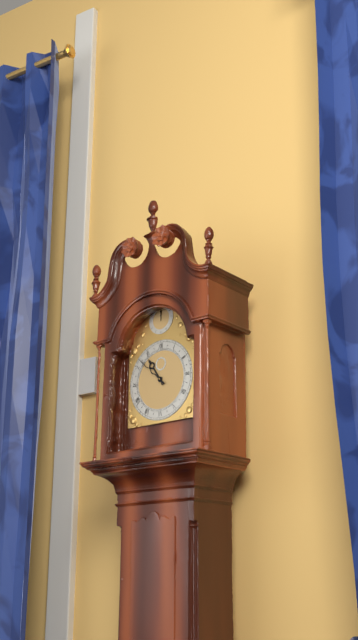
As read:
{"hour": 10, "minute": 52}
